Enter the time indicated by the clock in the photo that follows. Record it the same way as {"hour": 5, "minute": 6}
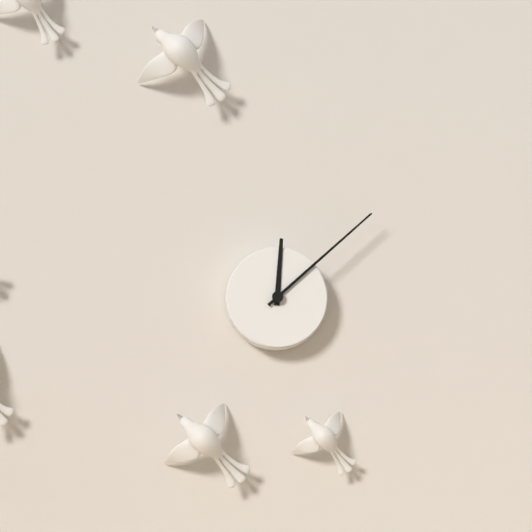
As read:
{"hour": 12, "minute": 8}
